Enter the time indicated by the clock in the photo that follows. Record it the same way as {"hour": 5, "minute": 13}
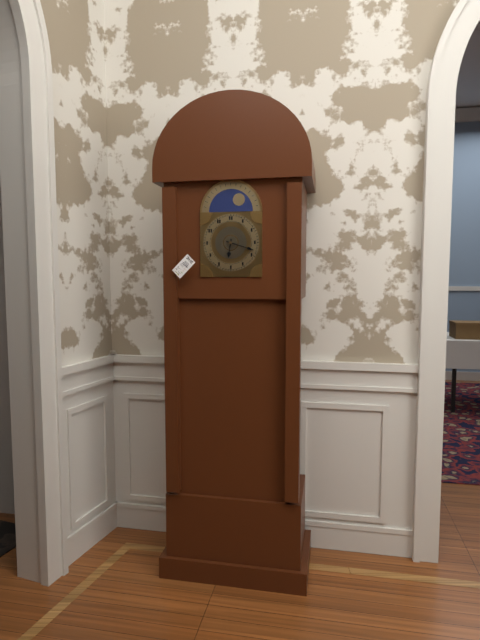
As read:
{"hour": 6, "minute": 18}
